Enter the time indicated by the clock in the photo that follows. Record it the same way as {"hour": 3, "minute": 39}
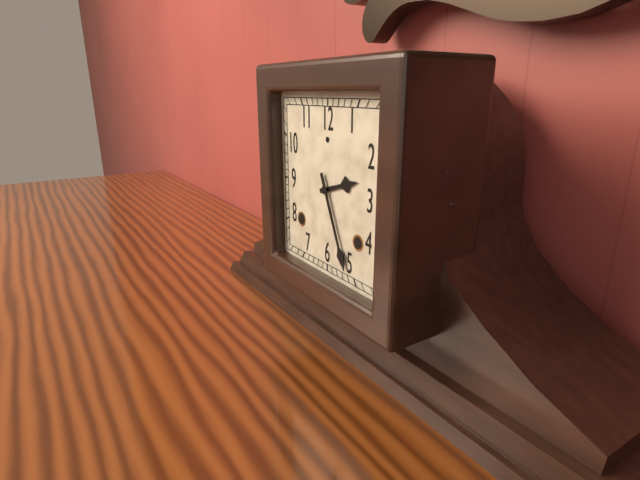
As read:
{"hour": 2, "minute": 26}
